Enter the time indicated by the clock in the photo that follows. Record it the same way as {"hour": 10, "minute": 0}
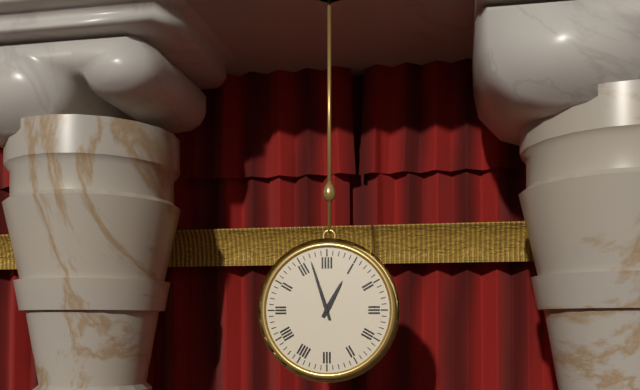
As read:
{"hour": 12, "minute": 57}
